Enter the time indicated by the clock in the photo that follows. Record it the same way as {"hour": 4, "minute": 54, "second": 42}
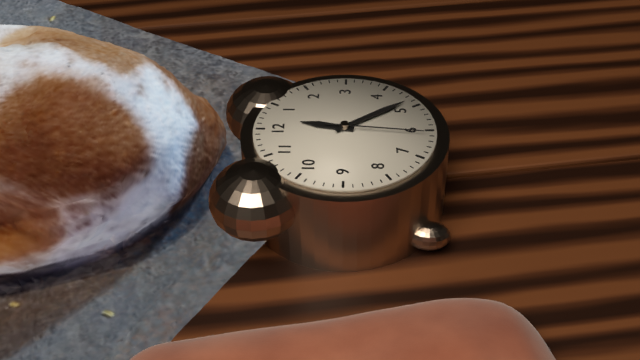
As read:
{"hour": 12, "minute": 24, "second": 31}
